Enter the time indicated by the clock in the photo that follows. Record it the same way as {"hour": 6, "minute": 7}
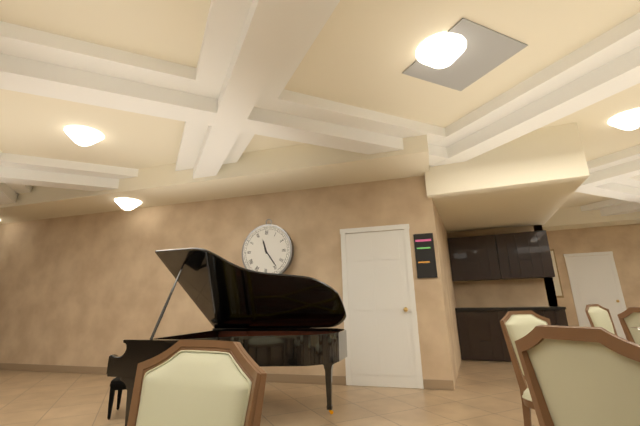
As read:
{"hour": 11, "minute": 24}
